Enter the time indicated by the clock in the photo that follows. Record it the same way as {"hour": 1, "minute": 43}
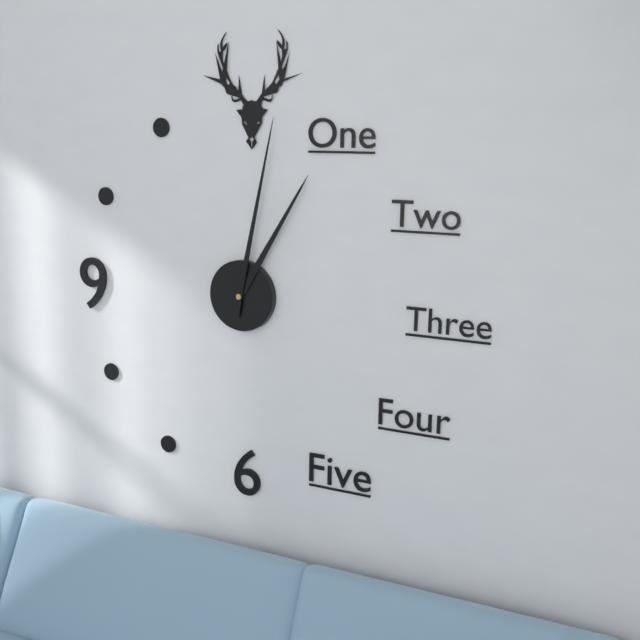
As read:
{"hour": 1, "minute": 2}
